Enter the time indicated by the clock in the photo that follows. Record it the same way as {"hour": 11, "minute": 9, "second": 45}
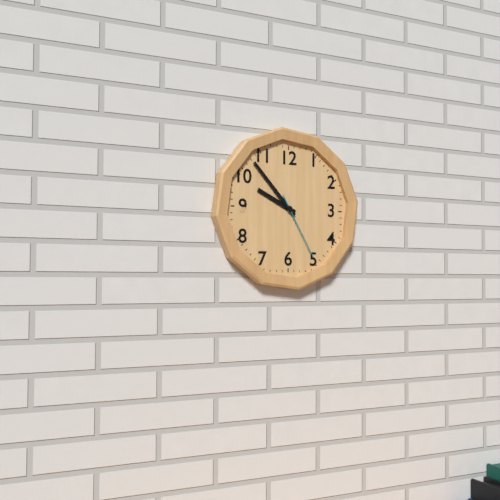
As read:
{"hour": 9, "minute": 53, "second": 25}
